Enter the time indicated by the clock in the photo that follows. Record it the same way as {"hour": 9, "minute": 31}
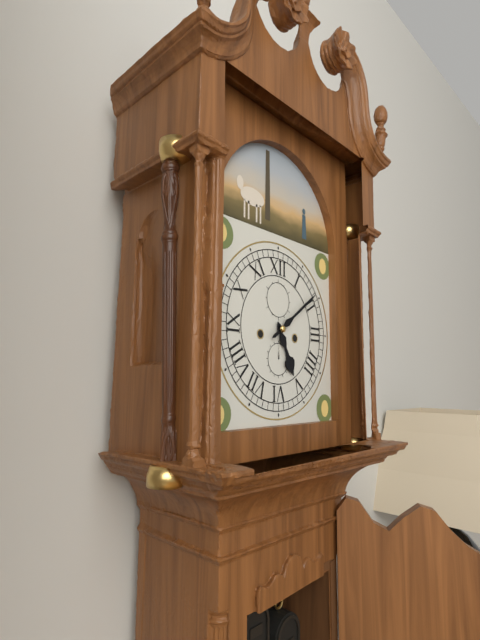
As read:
{"hour": 5, "minute": 9}
